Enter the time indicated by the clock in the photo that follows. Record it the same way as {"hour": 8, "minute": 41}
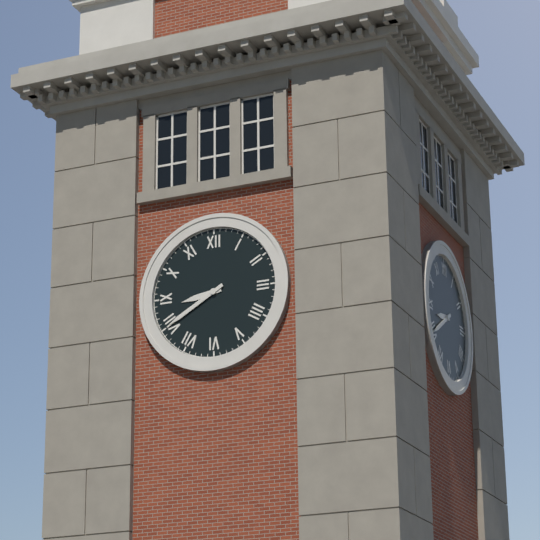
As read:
{"hour": 8, "minute": 40}
